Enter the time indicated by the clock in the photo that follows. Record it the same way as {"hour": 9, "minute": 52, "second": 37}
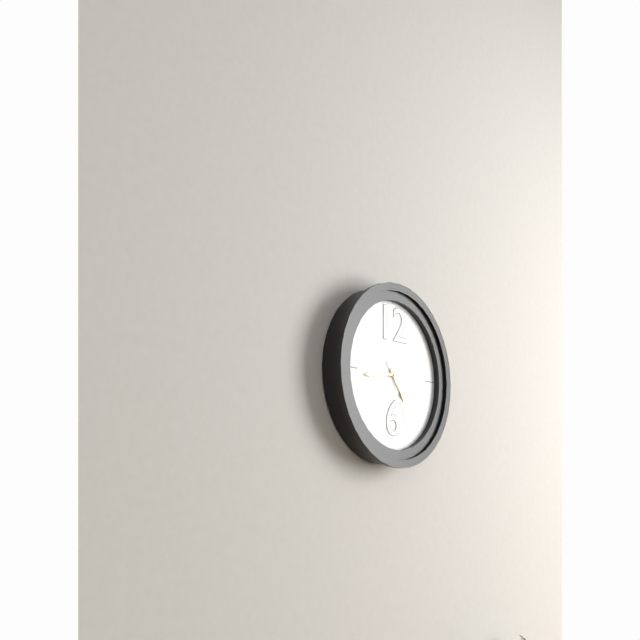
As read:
{"hour": 4, "minute": 44, "second": 25}
